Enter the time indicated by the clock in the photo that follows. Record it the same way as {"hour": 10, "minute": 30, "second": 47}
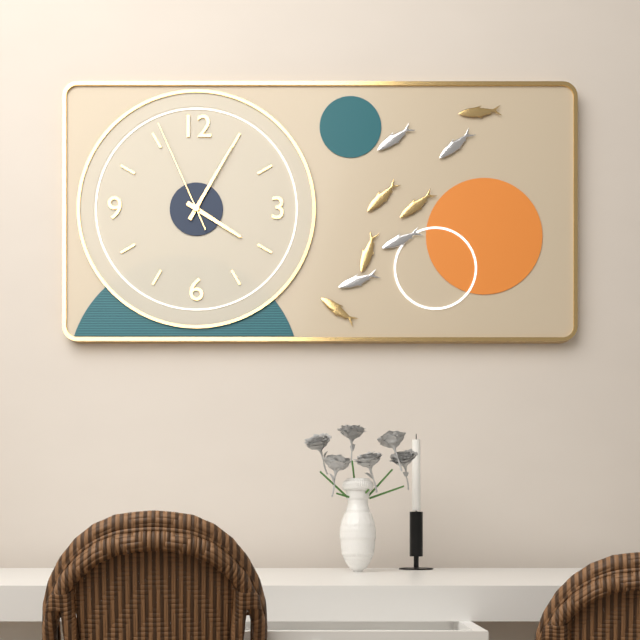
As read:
{"hour": 4, "minute": 5, "second": 56}
